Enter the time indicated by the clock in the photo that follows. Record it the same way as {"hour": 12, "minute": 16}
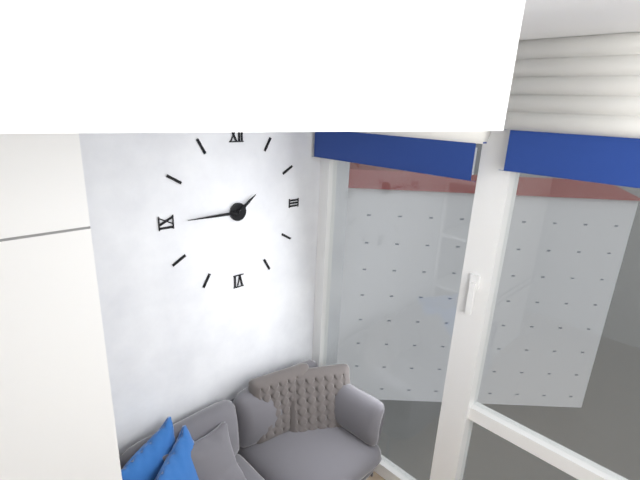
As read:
{"hour": 1, "minute": 45}
